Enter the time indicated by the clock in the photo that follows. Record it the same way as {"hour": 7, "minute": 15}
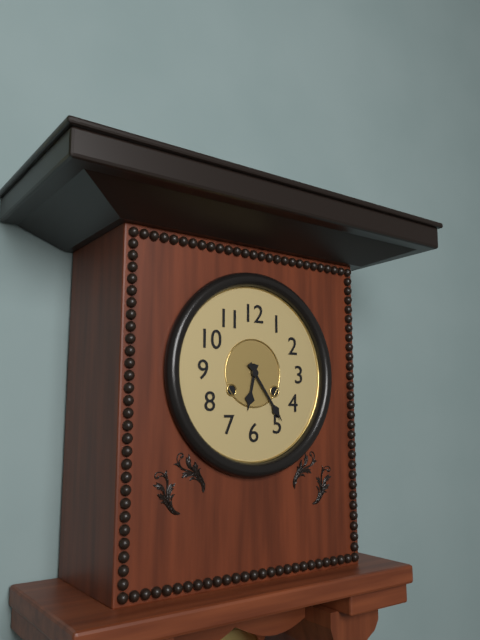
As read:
{"hour": 6, "minute": 24}
